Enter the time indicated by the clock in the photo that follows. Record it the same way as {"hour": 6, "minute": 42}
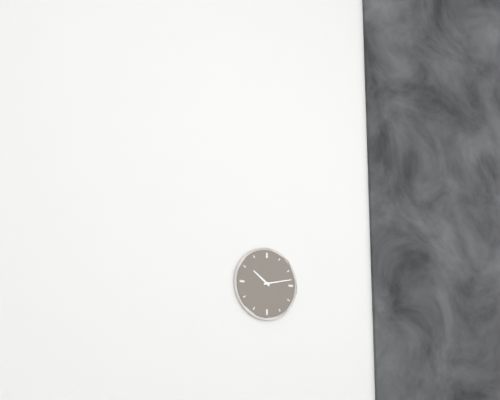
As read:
{"hour": 10, "minute": 13}
